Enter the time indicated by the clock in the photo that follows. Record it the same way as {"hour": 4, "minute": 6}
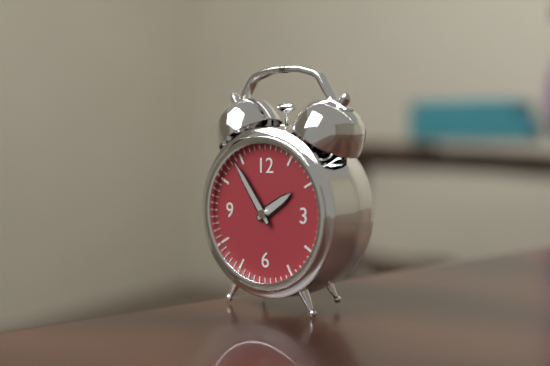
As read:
{"hour": 1, "minute": 54}
